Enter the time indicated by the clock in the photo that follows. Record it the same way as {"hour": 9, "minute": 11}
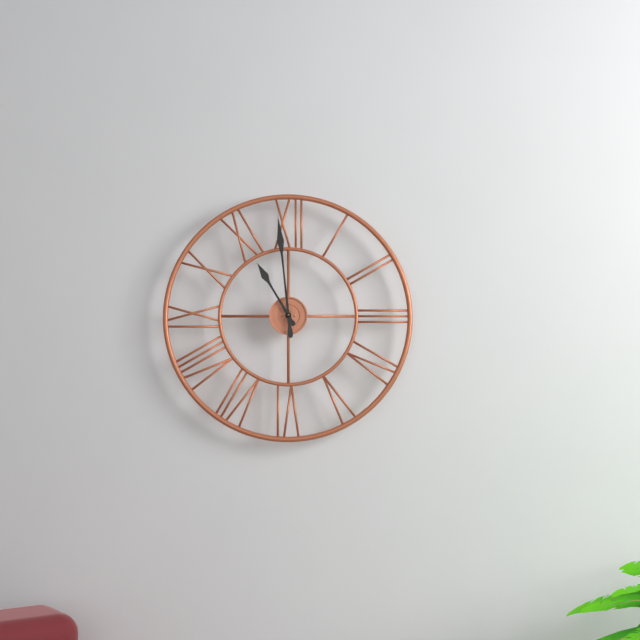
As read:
{"hour": 10, "minute": 59}
